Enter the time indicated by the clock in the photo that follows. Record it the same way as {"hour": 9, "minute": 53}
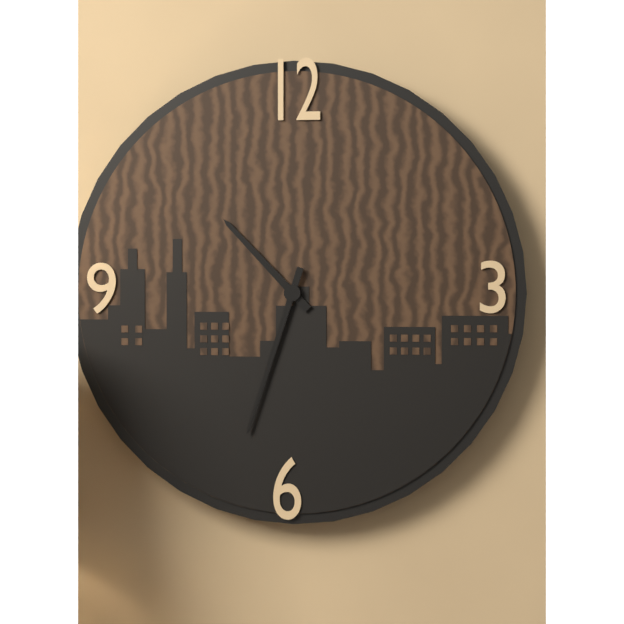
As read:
{"hour": 10, "minute": 33}
